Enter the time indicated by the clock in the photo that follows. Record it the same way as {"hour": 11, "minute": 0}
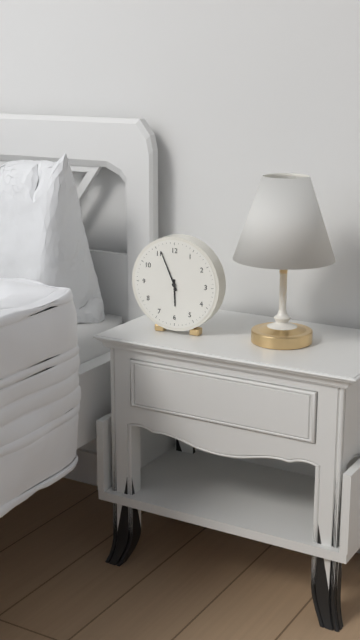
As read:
{"hour": 5, "minute": 56}
